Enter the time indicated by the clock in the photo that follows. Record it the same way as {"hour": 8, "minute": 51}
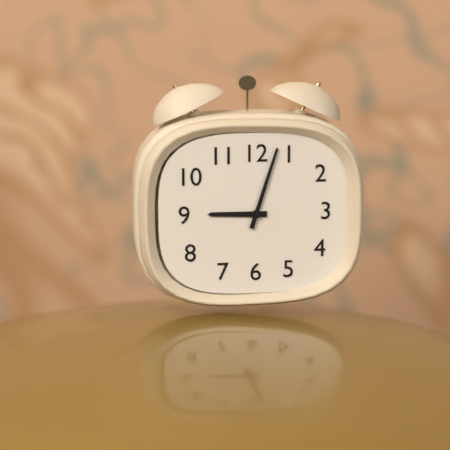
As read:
{"hour": 9, "minute": 3}
